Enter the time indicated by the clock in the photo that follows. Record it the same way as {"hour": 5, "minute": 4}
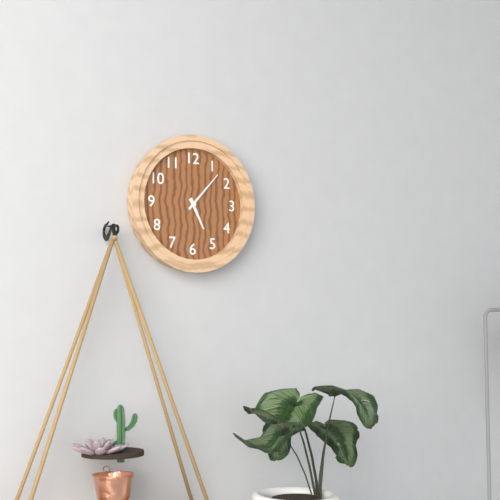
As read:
{"hour": 5, "minute": 7}
